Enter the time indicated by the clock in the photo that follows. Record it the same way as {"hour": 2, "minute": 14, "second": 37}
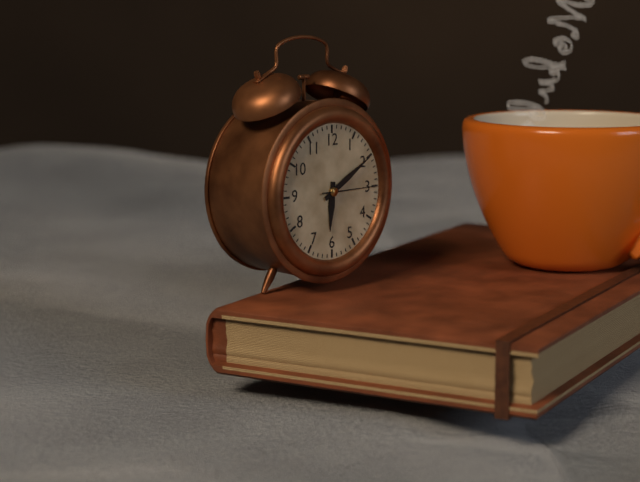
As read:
{"hour": 6, "minute": 10, "second": 15}
